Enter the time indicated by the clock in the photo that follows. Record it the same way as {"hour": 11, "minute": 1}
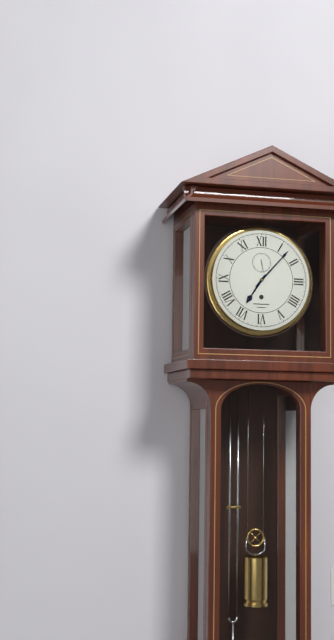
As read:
{"hour": 7, "minute": 7}
